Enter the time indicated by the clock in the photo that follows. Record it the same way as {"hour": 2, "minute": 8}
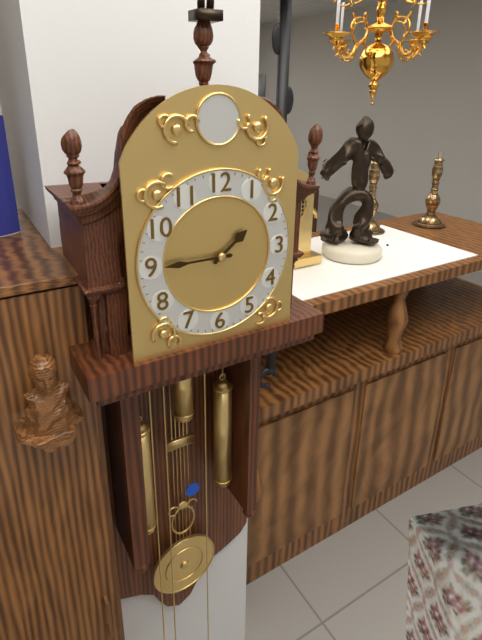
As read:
{"hour": 1, "minute": 45}
